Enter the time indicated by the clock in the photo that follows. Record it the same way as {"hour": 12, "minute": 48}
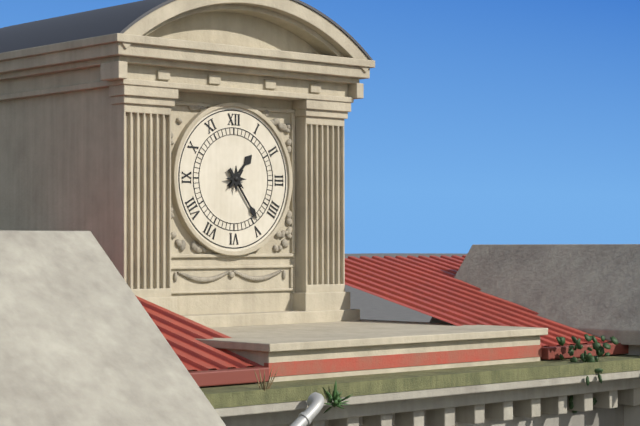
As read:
{"hour": 1, "minute": 24}
